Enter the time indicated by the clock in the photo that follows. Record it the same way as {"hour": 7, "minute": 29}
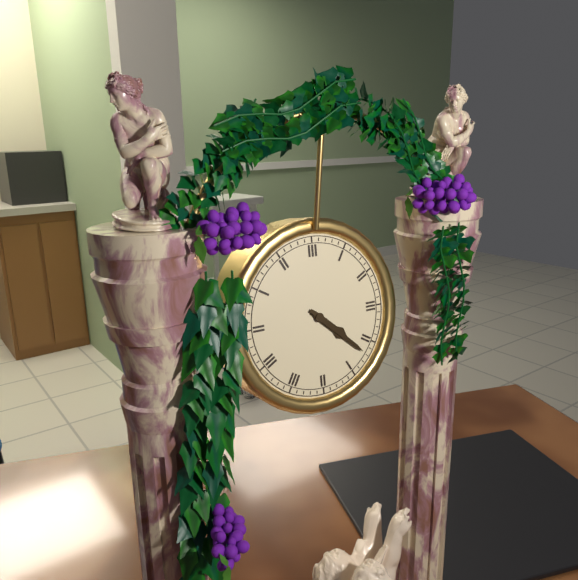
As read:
{"hour": 4, "minute": 22}
